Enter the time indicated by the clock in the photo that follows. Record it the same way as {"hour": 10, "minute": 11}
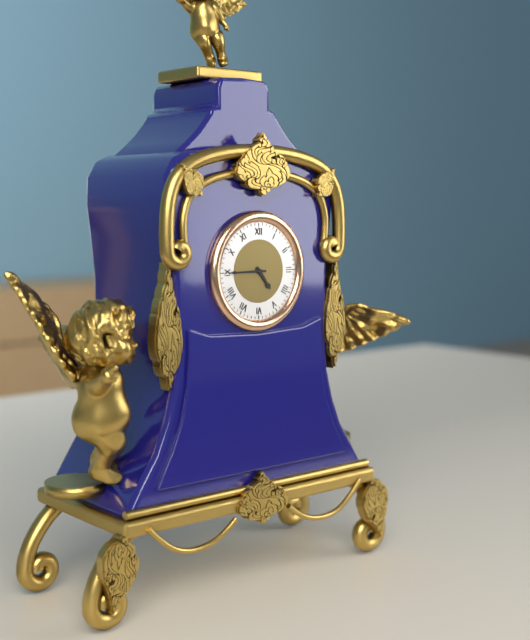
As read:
{"hour": 4, "minute": 45}
